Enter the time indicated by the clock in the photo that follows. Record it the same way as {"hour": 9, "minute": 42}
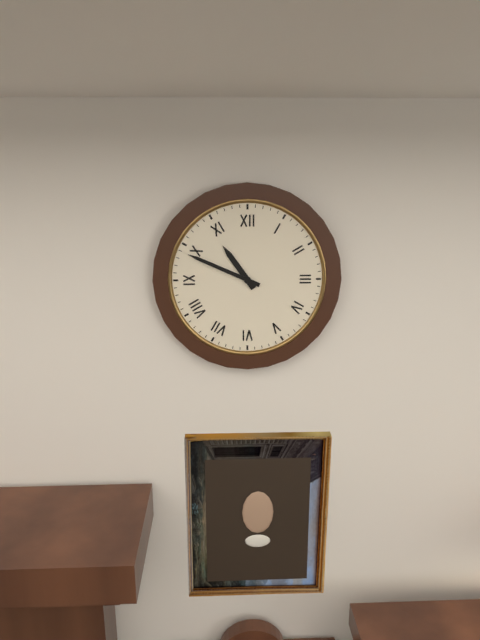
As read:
{"hour": 10, "minute": 49}
